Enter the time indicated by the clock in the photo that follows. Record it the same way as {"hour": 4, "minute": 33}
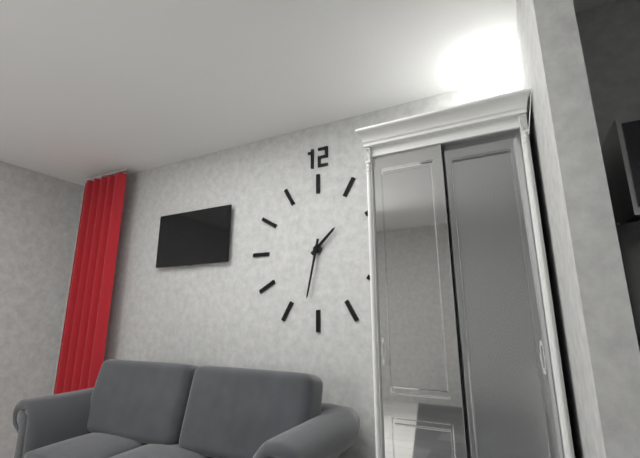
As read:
{"hour": 1, "minute": 32}
